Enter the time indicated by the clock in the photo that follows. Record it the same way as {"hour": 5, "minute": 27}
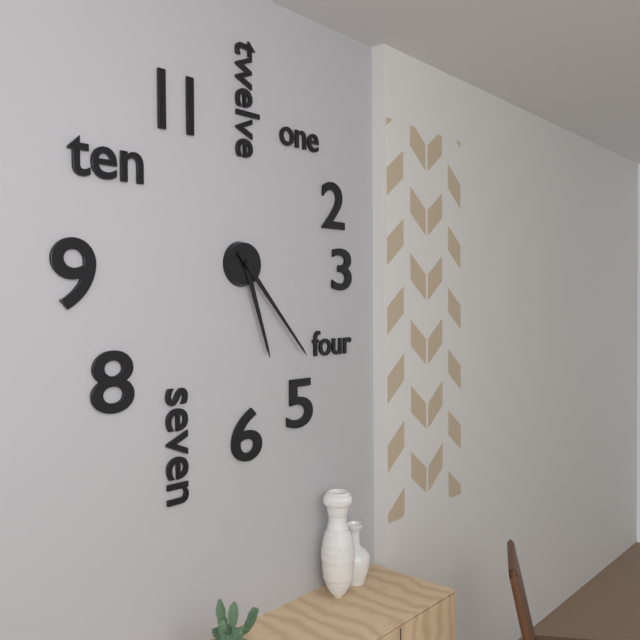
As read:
{"hour": 5, "minute": 23}
